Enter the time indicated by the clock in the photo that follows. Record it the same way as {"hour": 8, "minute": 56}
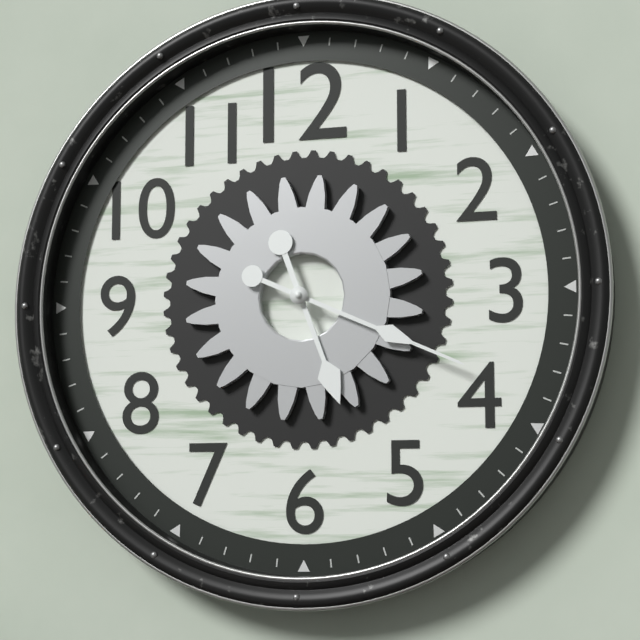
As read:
{"hour": 5, "minute": 19}
